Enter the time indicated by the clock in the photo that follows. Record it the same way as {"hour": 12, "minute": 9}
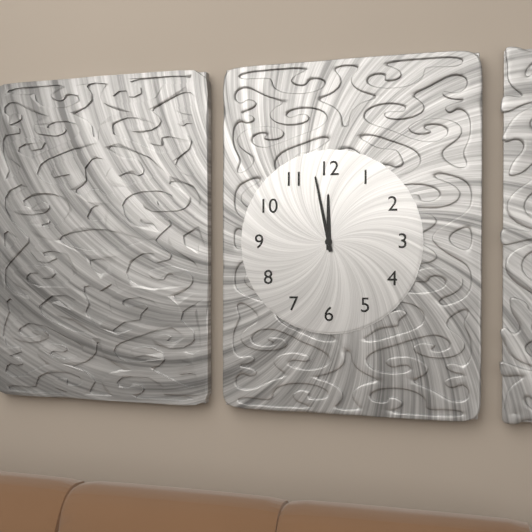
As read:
{"hour": 11, "minute": 58}
